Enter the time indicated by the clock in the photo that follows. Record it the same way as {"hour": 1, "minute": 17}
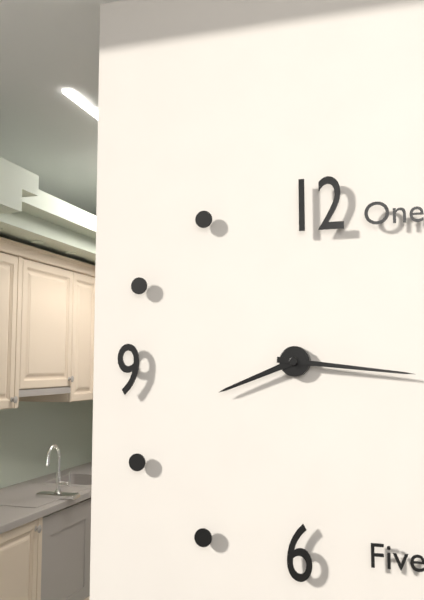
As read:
{"hour": 8, "minute": 16}
